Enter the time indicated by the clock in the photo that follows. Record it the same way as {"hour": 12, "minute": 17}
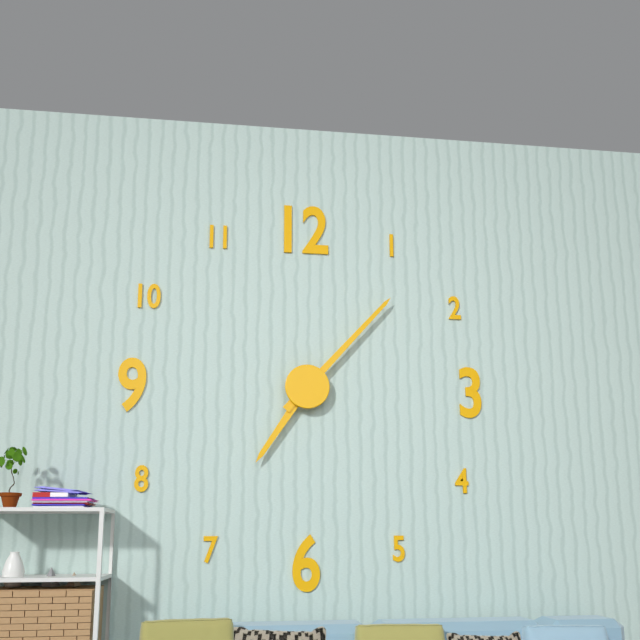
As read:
{"hour": 7, "minute": 7}
